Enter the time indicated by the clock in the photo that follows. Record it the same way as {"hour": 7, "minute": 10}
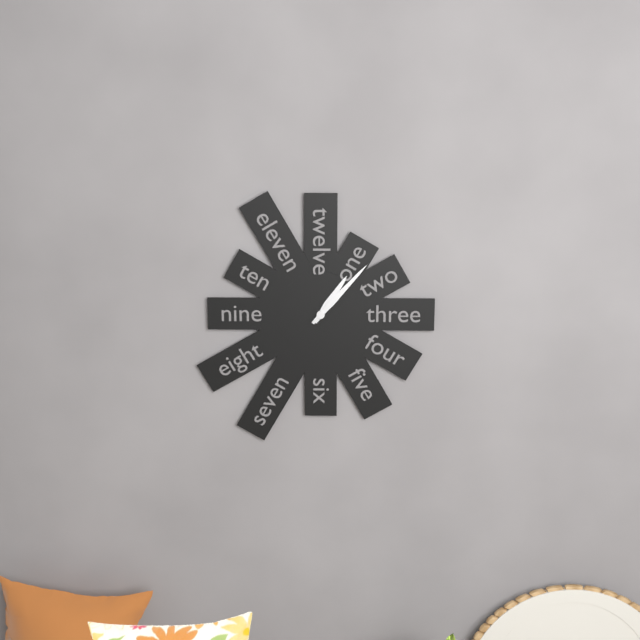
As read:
{"hour": 1, "minute": 7}
